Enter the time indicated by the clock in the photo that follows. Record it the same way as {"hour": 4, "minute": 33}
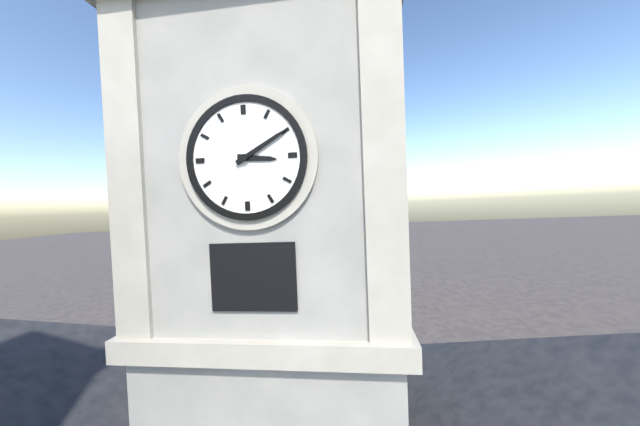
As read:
{"hour": 3, "minute": 10}
